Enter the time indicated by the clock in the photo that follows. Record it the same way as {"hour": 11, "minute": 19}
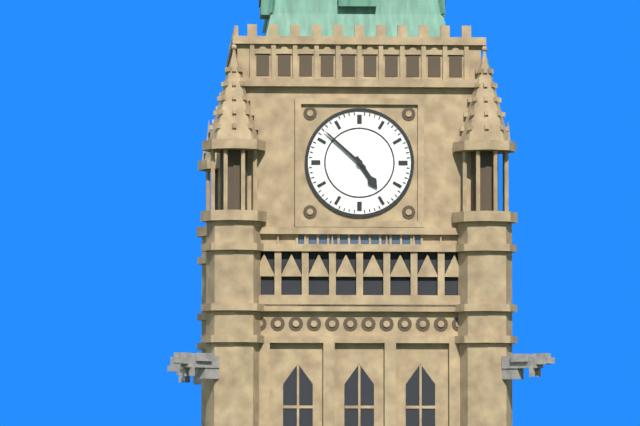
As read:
{"hour": 4, "minute": 52}
